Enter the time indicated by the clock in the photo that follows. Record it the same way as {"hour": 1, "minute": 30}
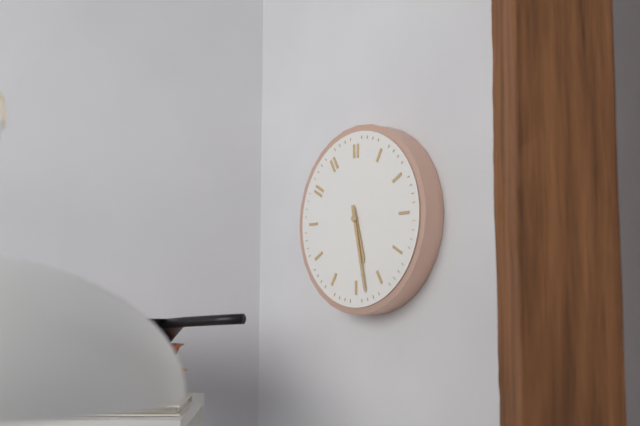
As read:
{"hour": 5, "minute": 28}
